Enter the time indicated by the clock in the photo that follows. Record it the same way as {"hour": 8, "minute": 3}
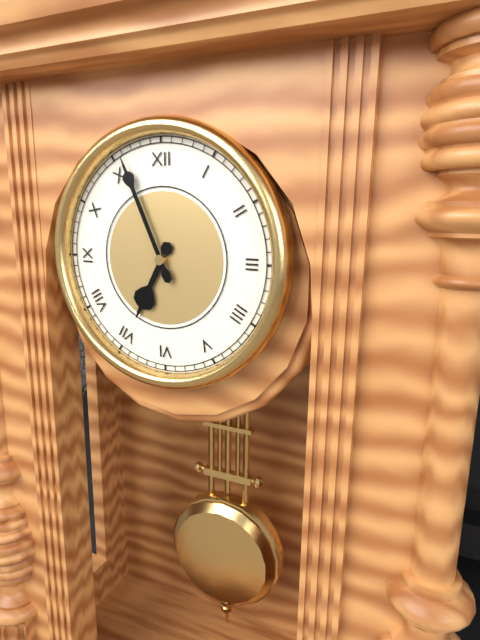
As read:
{"hour": 6, "minute": 56}
